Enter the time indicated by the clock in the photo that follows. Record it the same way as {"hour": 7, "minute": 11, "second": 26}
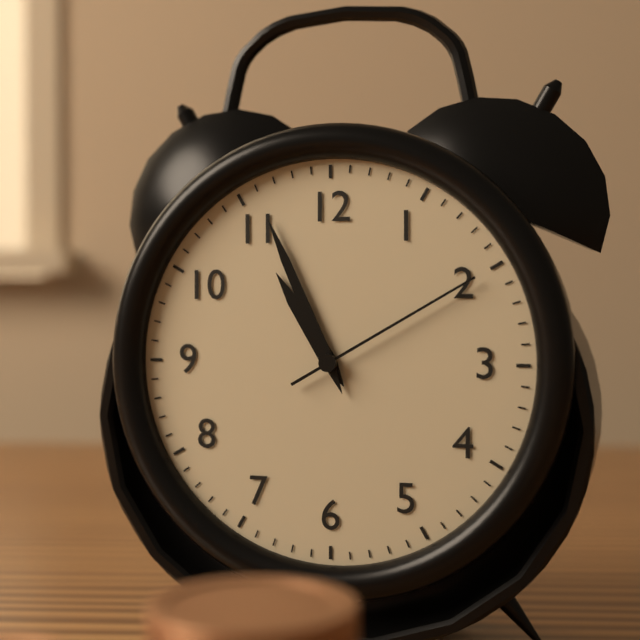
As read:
{"hour": 10, "minute": 56, "second": 10}
